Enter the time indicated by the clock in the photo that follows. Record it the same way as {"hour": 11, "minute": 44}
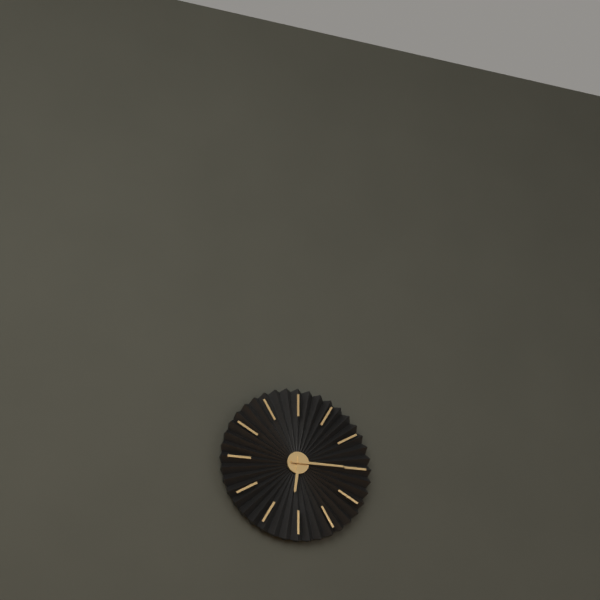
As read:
{"hour": 6, "minute": 15}
